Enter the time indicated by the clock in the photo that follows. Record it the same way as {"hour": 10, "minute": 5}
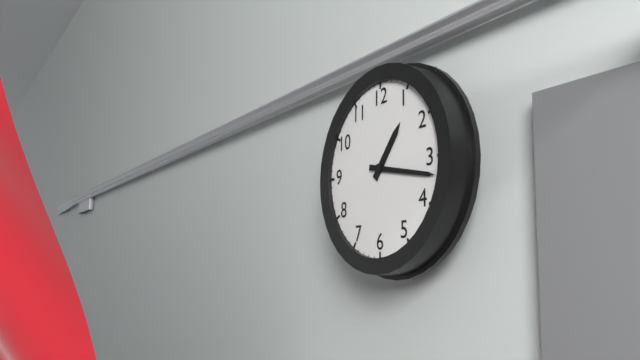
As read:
{"hour": 1, "minute": 17}
